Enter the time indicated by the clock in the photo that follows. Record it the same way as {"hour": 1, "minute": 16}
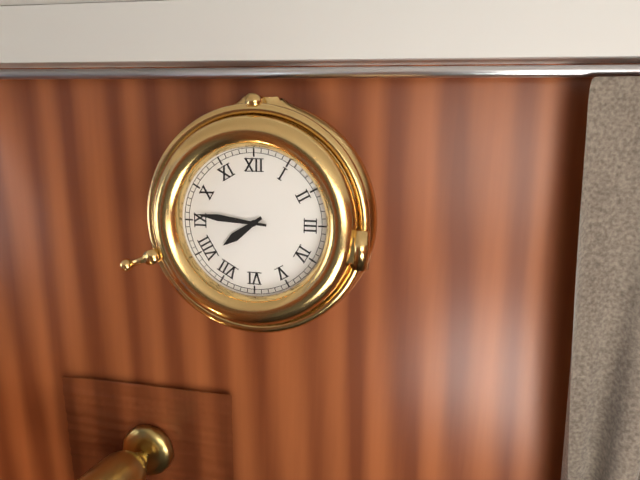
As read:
{"hour": 7, "minute": 46}
